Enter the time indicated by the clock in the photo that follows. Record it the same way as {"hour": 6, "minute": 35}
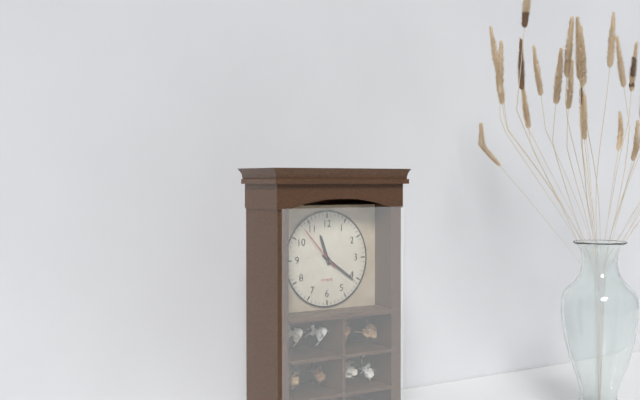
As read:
{"hour": 11, "minute": 21}
